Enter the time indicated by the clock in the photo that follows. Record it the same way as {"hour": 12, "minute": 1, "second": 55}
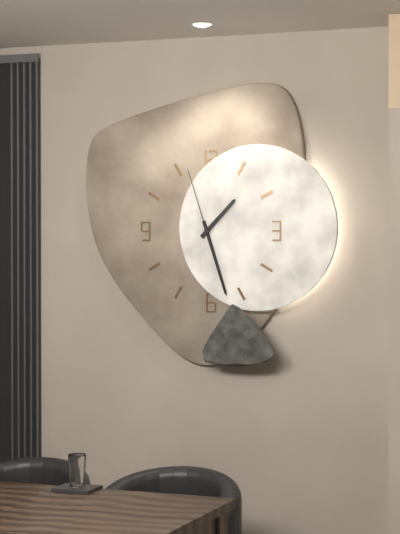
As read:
{"hour": 1, "minute": 27, "second": 57}
